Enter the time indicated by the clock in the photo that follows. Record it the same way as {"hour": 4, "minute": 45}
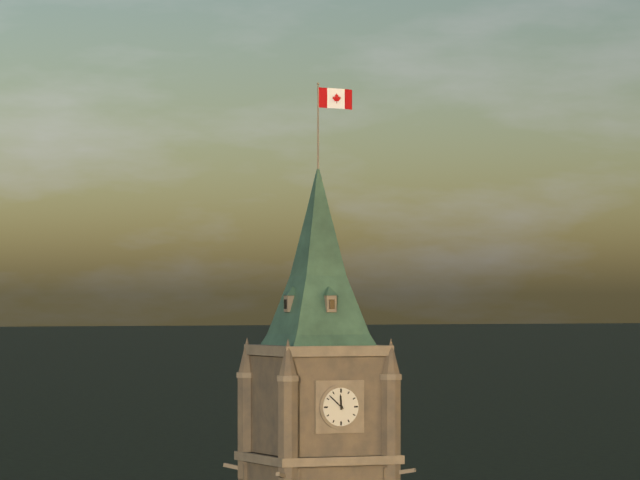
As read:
{"hour": 11, "minute": 52}
